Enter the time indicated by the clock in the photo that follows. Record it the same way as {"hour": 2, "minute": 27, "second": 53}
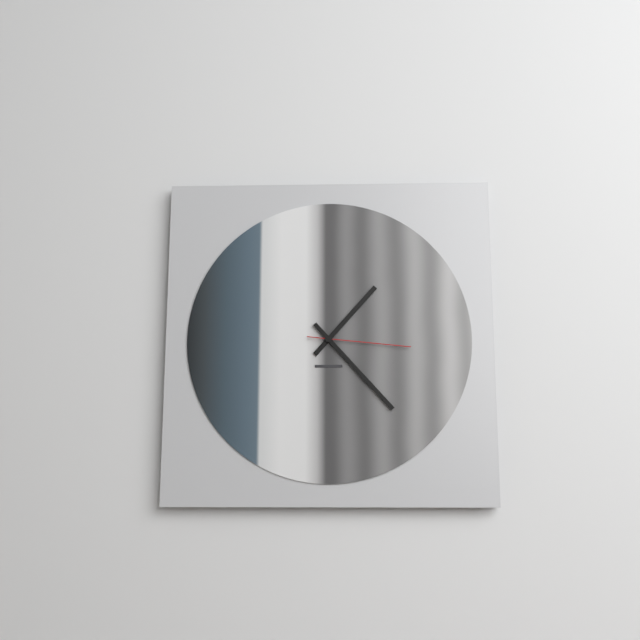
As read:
{"hour": 1, "minute": 23, "second": 16}
